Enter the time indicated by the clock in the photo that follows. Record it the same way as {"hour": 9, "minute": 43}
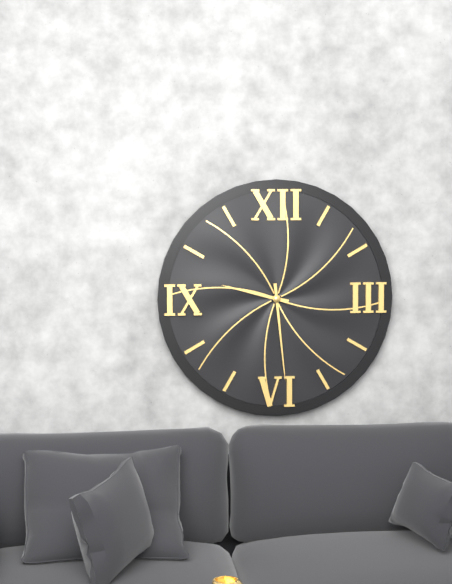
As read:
{"hour": 9, "minute": 29}
